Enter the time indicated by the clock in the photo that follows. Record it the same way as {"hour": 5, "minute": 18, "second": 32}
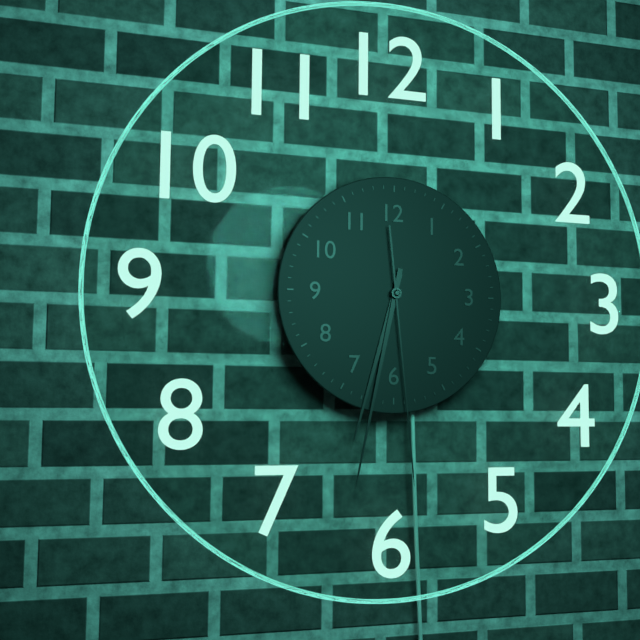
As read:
{"hour": 6, "minute": 32, "second": 29}
